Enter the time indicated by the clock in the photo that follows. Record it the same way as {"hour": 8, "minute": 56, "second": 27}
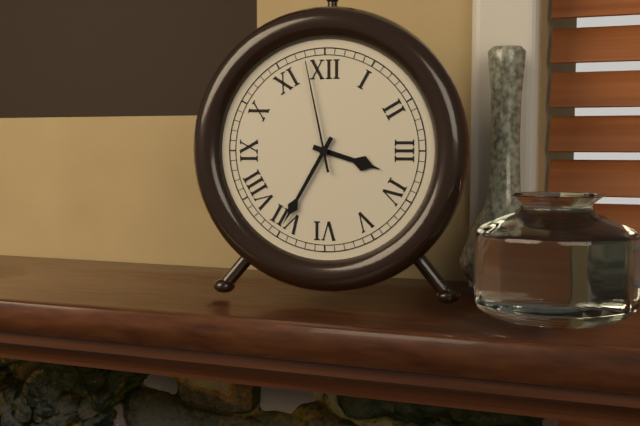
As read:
{"hour": 3, "minute": 35, "second": 58}
